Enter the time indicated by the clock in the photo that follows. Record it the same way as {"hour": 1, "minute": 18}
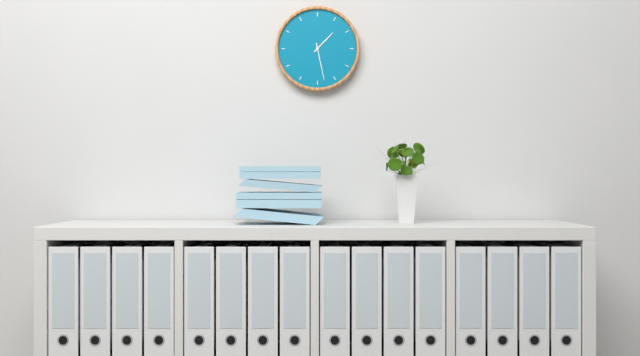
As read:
{"hour": 1, "minute": 28}
